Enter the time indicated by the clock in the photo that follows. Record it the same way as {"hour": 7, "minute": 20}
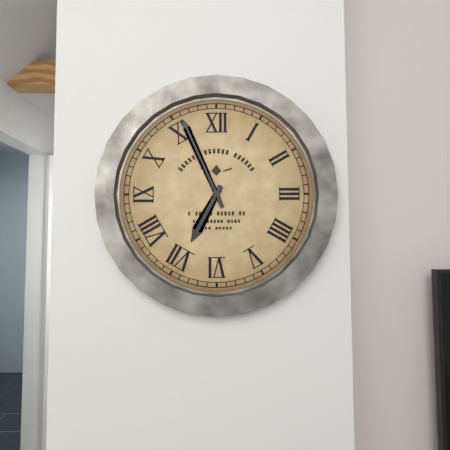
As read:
{"hour": 6, "minute": 56}
